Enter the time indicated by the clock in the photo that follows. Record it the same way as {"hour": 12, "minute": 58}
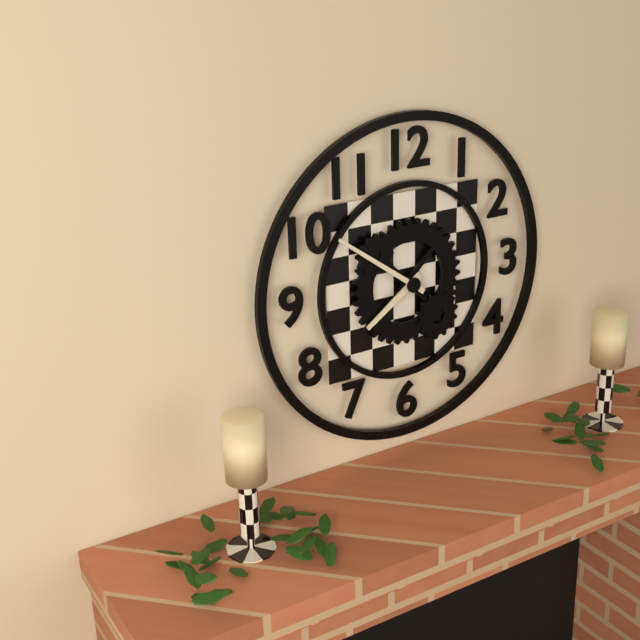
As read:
{"hour": 7, "minute": 51}
